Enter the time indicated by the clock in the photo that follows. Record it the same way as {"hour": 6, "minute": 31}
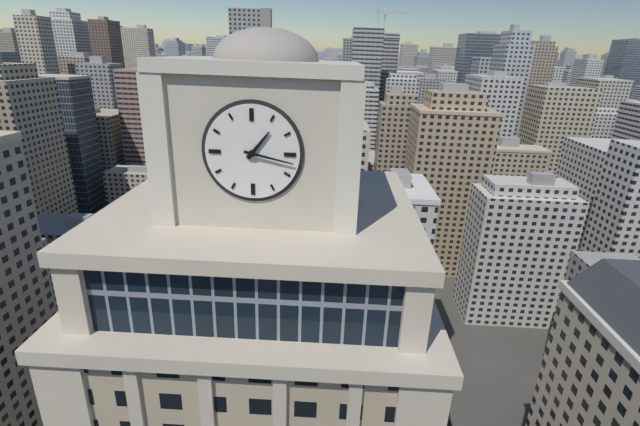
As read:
{"hour": 1, "minute": 17}
